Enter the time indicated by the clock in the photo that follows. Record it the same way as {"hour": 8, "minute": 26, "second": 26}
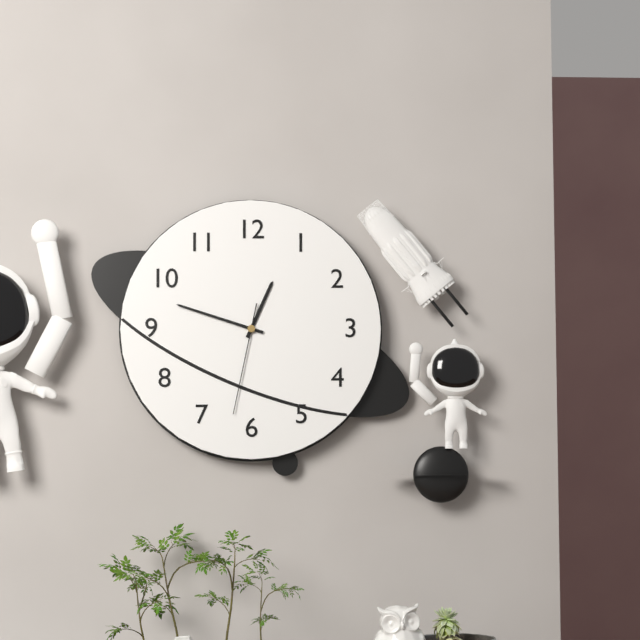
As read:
{"hour": 12, "minute": 48, "second": 32}
